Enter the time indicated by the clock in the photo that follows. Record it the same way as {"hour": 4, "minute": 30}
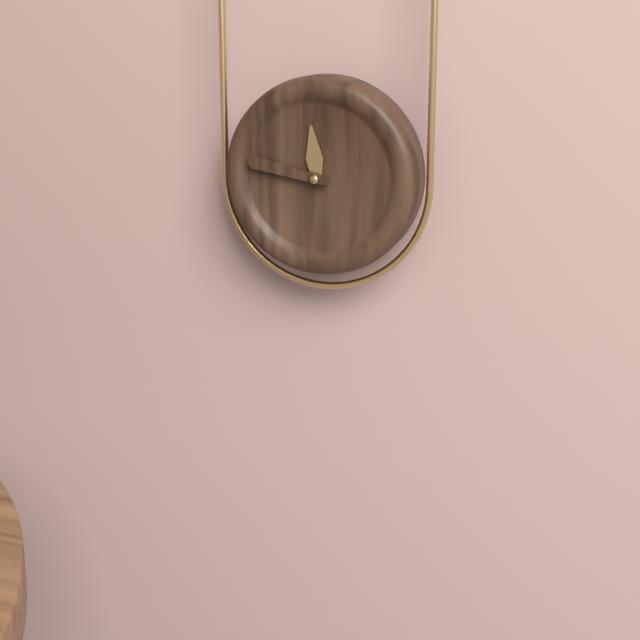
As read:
{"hour": 11, "minute": 47}
